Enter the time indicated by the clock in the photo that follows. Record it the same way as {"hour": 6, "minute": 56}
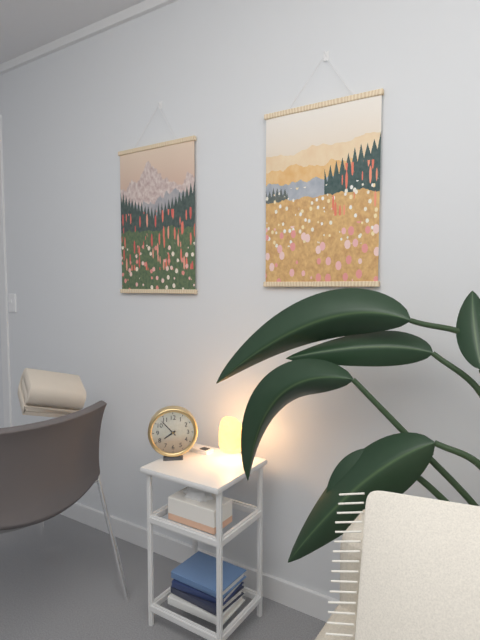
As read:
{"hour": 7, "minute": 53}
